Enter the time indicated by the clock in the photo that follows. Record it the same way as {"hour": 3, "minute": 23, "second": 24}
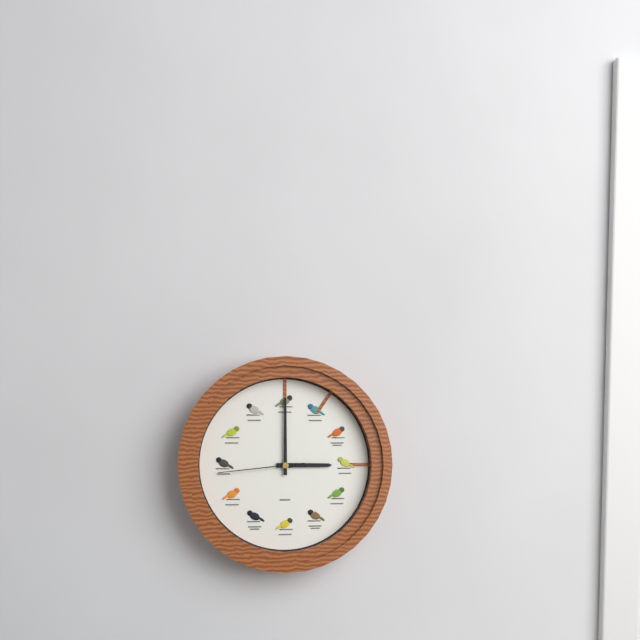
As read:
{"hour": 3, "minute": 0, "second": 44}
